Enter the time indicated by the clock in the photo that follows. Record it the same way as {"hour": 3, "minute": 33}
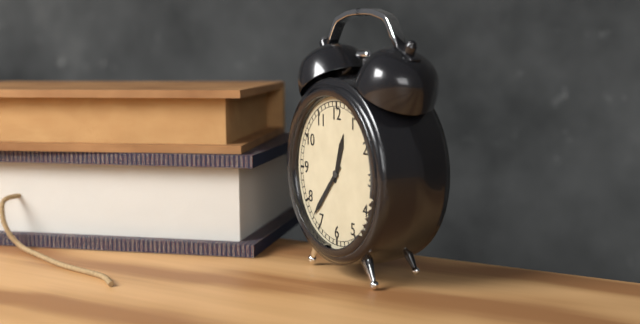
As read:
{"hour": 12, "minute": 37}
